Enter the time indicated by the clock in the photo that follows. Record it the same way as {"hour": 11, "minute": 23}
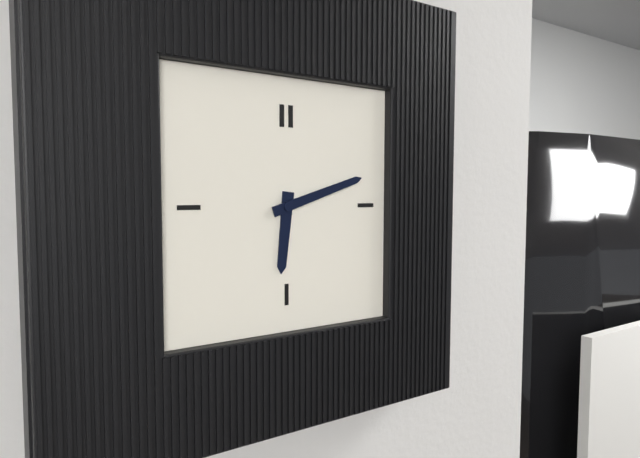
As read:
{"hour": 6, "minute": 12}
